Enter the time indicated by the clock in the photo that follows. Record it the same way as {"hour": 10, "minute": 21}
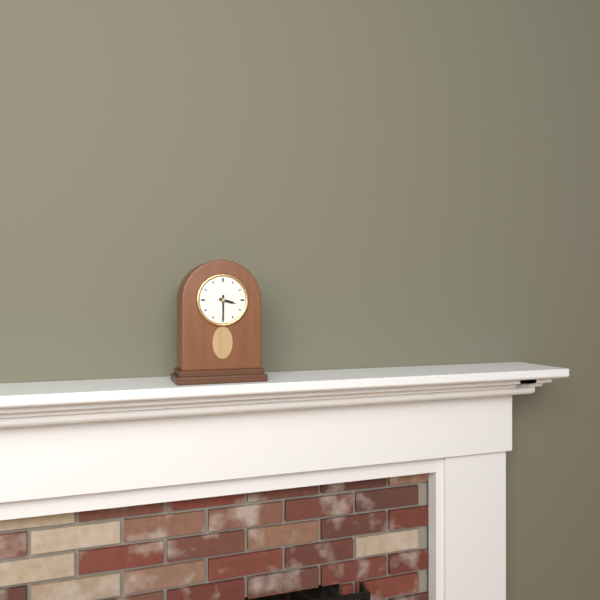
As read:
{"hour": 3, "minute": 30}
